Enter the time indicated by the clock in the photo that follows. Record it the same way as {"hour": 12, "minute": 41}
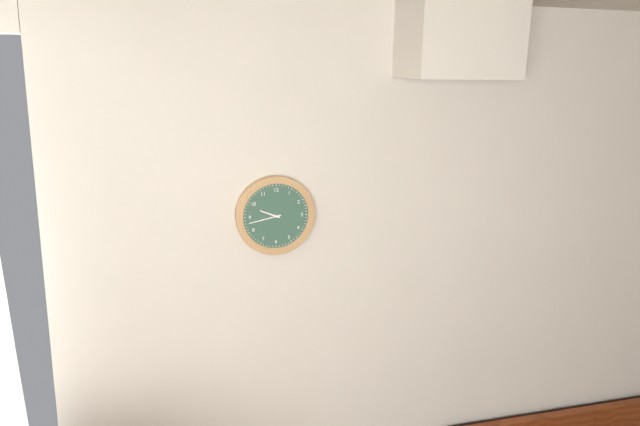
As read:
{"hour": 9, "minute": 43}
